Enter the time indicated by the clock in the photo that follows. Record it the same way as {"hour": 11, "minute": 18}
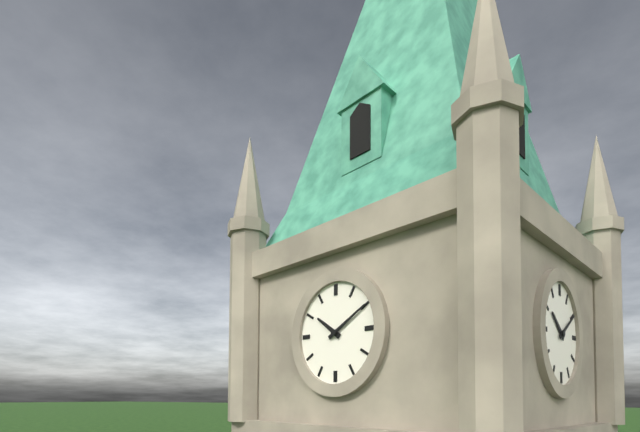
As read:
{"hour": 10, "minute": 10}
